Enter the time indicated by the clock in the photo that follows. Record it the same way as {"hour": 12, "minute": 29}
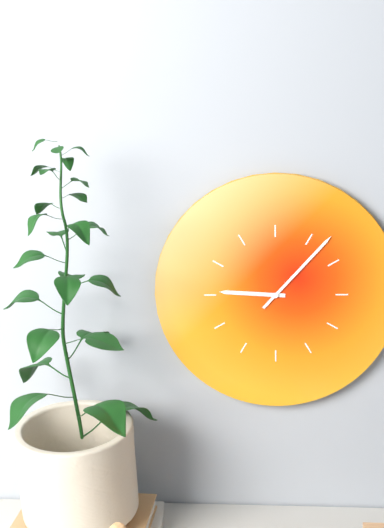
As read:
{"hour": 9, "minute": 7}
